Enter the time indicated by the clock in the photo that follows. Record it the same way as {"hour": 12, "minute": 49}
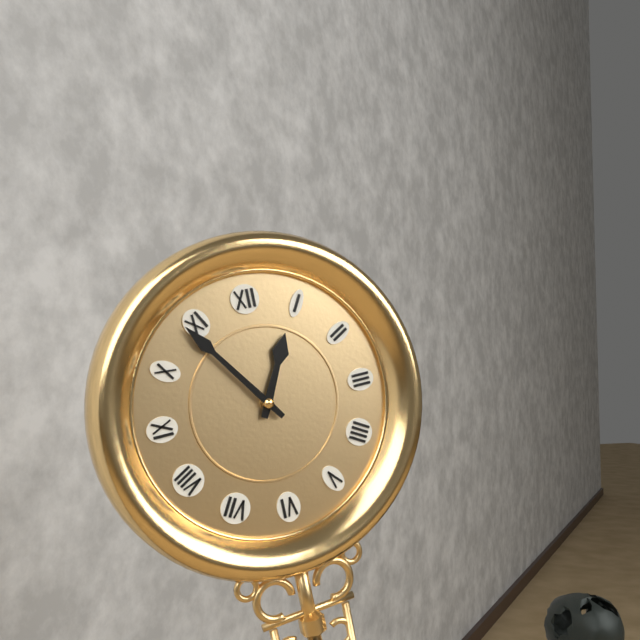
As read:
{"hour": 12, "minute": 54}
